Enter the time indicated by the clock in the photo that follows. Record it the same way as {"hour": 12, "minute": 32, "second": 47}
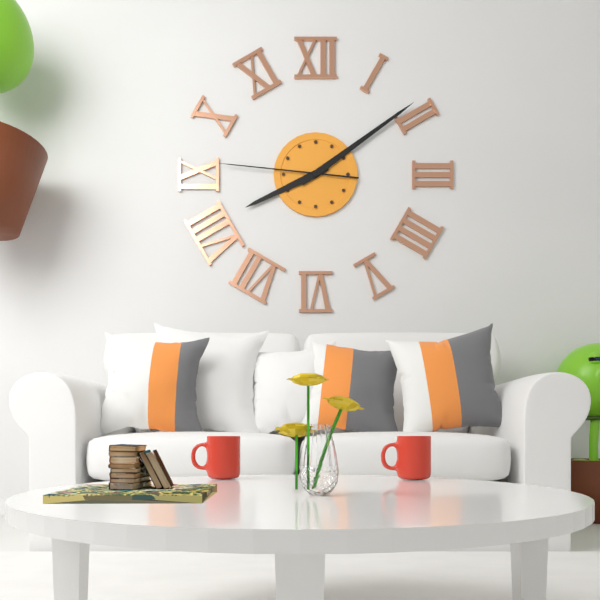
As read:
{"hour": 8, "minute": 9, "second": 46}
